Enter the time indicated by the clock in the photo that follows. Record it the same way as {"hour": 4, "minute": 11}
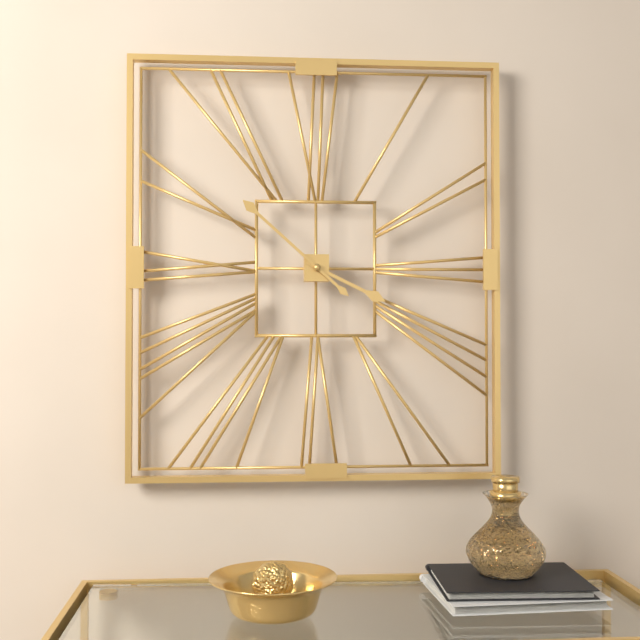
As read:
{"hour": 3, "minute": 52}
